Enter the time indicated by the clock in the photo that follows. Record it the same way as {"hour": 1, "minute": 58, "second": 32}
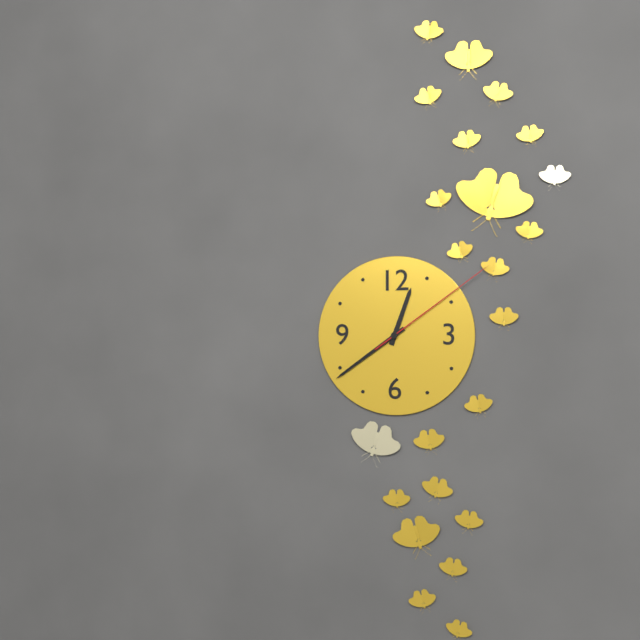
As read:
{"hour": 12, "minute": 39, "second": 9}
